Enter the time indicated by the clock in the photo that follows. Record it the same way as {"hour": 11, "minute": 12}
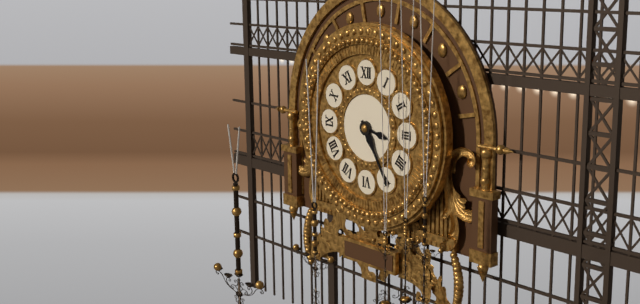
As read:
{"hour": 3, "minute": 25}
